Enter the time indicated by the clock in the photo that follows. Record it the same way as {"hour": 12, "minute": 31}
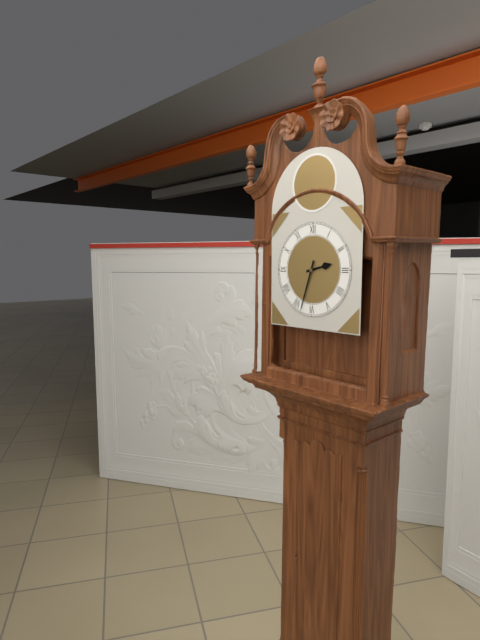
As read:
{"hour": 2, "minute": 33}
